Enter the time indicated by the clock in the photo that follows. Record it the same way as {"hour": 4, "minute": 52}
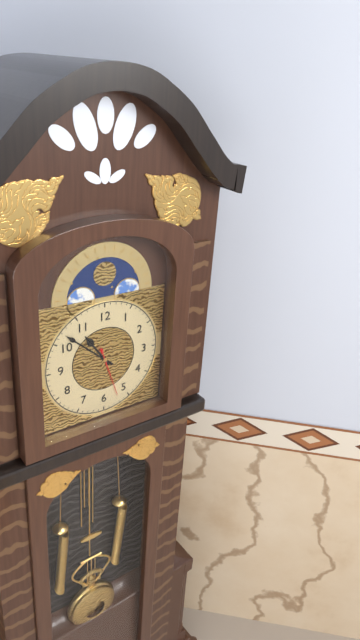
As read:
{"hour": 10, "minute": 52}
